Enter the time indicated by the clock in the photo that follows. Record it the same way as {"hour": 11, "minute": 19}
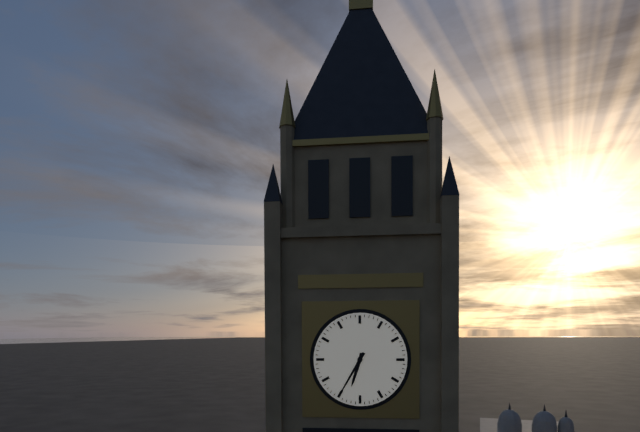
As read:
{"hour": 6, "minute": 35}
